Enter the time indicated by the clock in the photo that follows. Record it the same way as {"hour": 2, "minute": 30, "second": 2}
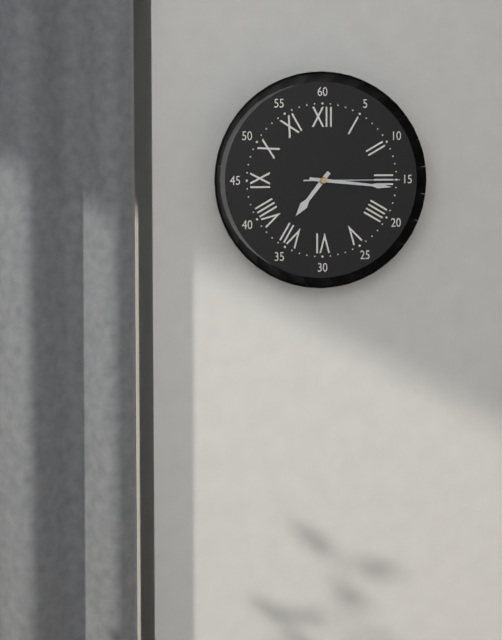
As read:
{"hour": 7, "minute": 16, "second": 15}
